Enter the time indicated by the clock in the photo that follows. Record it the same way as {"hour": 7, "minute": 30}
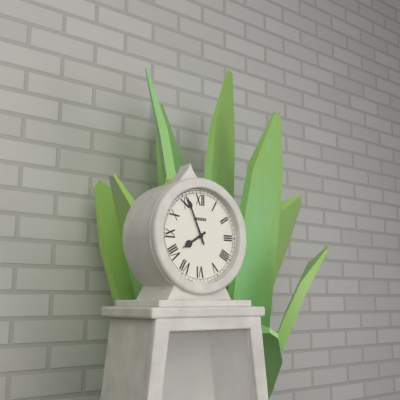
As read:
{"hour": 7, "minute": 56}
